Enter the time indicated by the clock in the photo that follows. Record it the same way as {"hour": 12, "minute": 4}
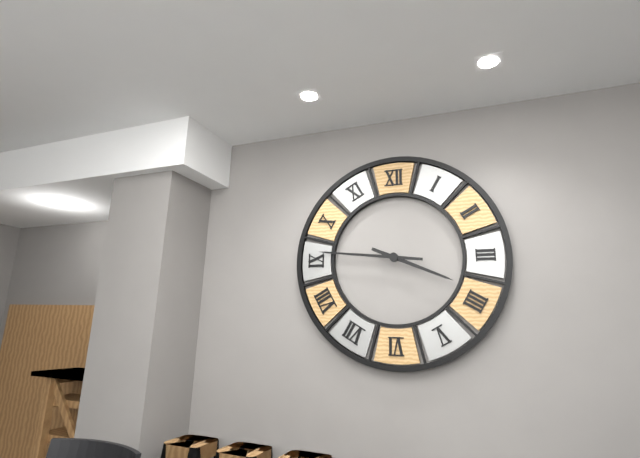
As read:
{"hour": 3, "minute": 46}
